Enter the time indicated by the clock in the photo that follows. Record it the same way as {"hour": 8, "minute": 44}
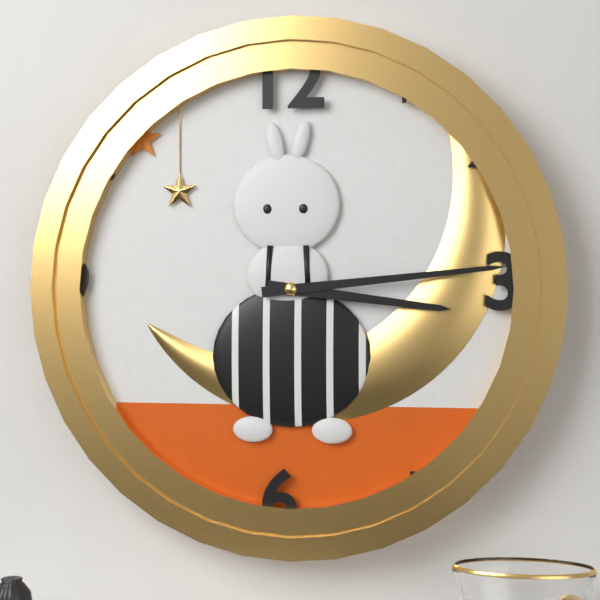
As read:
{"hour": 3, "minute": 14}
